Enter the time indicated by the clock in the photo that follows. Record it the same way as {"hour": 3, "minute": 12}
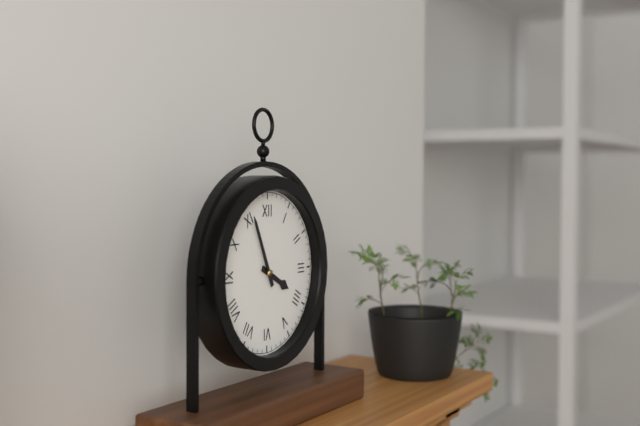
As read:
{"hour": 3, "minute": 56}
